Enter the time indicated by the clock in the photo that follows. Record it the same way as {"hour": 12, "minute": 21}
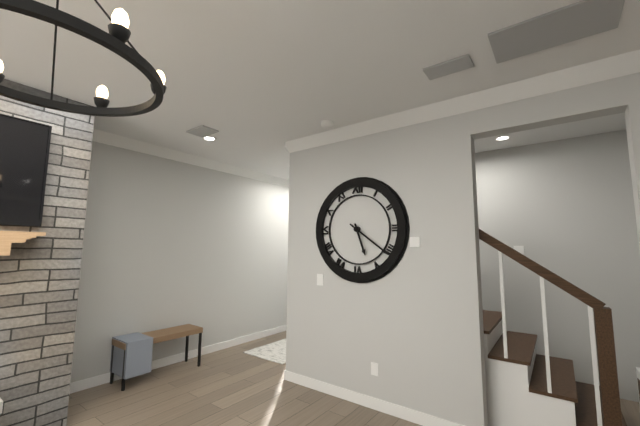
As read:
{"hour": 5, "minute": 21}
